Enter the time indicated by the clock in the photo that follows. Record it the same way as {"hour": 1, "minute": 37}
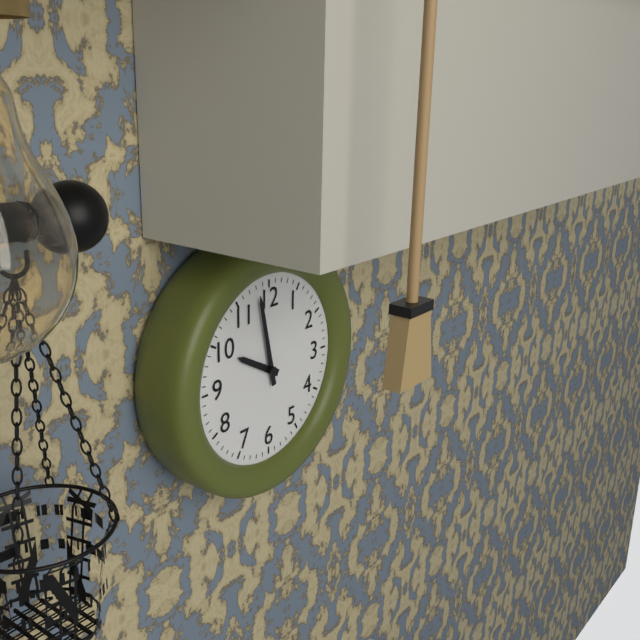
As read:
{"hour": 9, "minute": 58}
